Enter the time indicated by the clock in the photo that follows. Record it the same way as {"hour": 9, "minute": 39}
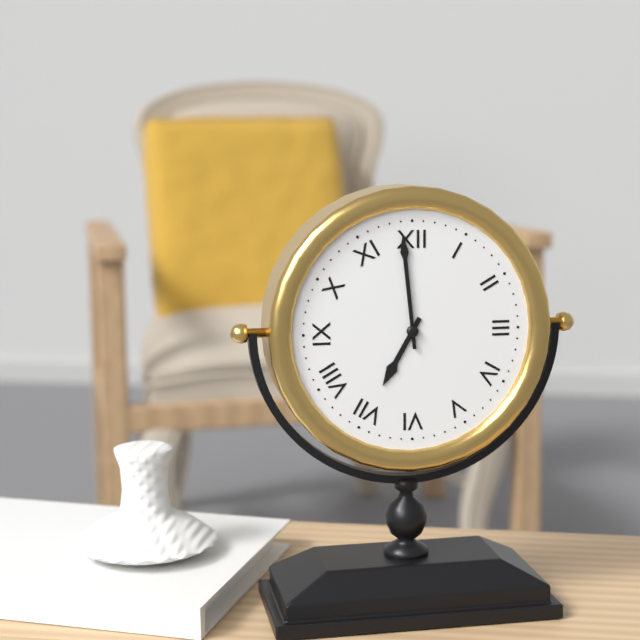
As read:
{"hour": 6, "minute": 59}
